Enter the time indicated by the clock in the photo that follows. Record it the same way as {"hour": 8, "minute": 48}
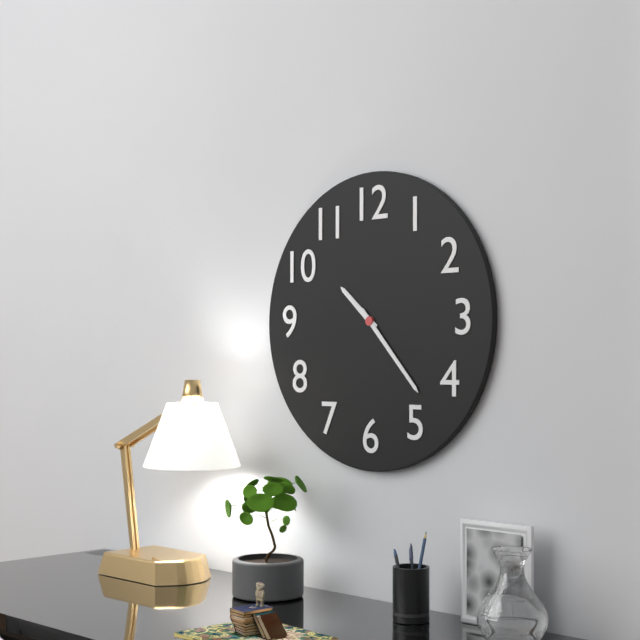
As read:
{"hour": 10, "minute": 23}
